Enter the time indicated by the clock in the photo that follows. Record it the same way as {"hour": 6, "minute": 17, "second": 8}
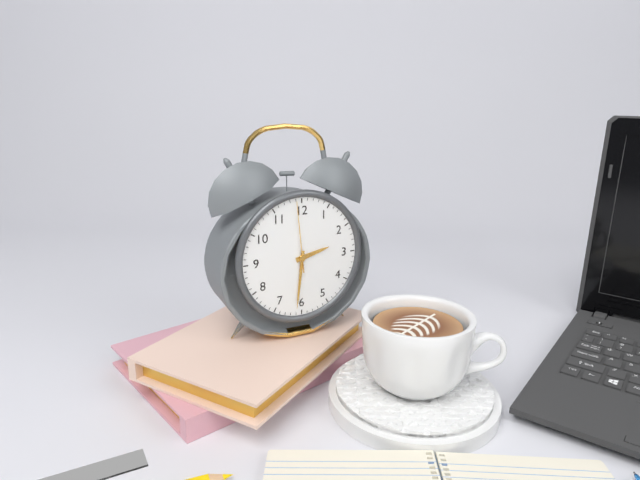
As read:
{"hour": 2, "minute": 31, "second": 59}
